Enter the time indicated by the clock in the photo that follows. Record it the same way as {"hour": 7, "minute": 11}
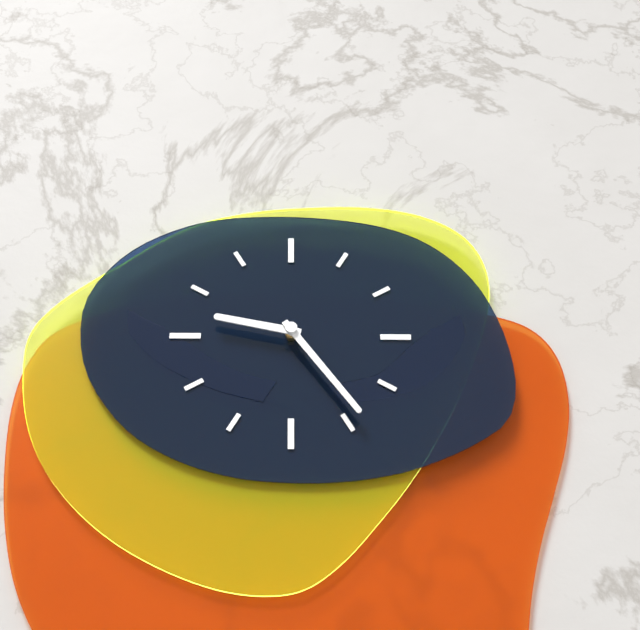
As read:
{"hour": 9, "minute": 24}
